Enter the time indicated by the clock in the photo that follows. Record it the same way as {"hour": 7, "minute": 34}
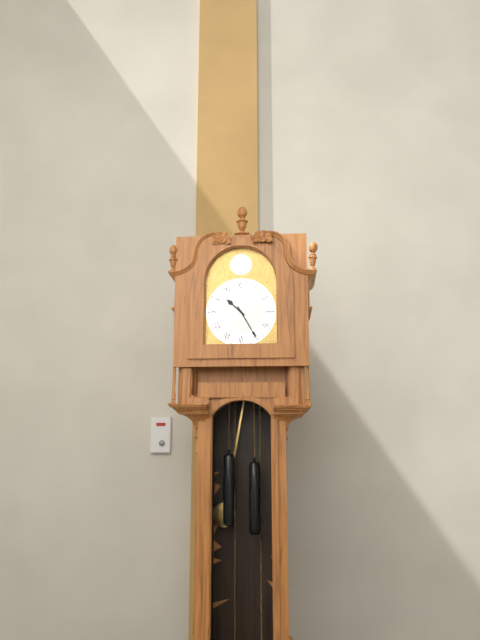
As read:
{"hour": 10, "minute": 25}
